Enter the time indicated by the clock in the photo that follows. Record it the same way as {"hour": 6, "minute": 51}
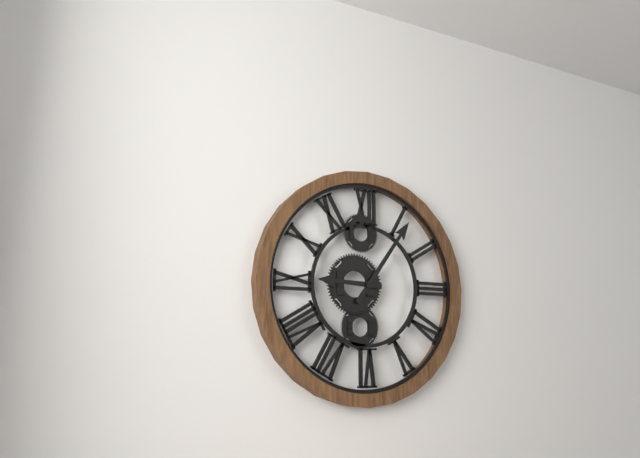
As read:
{"hour": 9, "minute": 6}
